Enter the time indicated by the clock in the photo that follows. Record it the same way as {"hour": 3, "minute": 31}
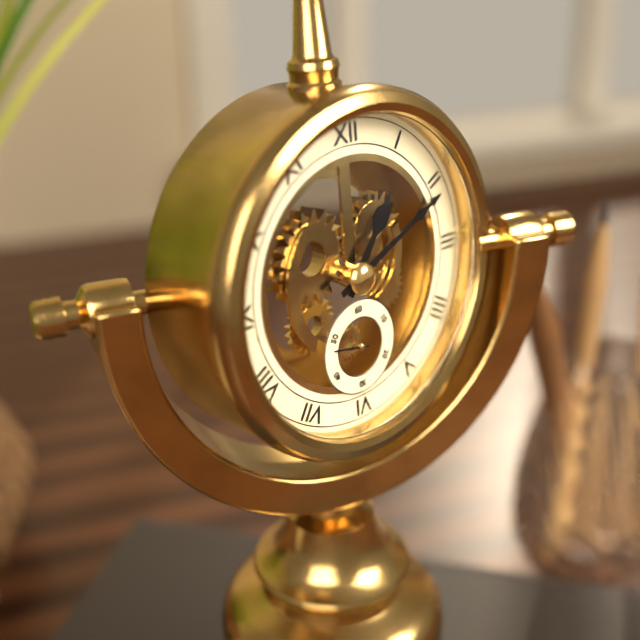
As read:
{"hour": 1, "minute": 11}
